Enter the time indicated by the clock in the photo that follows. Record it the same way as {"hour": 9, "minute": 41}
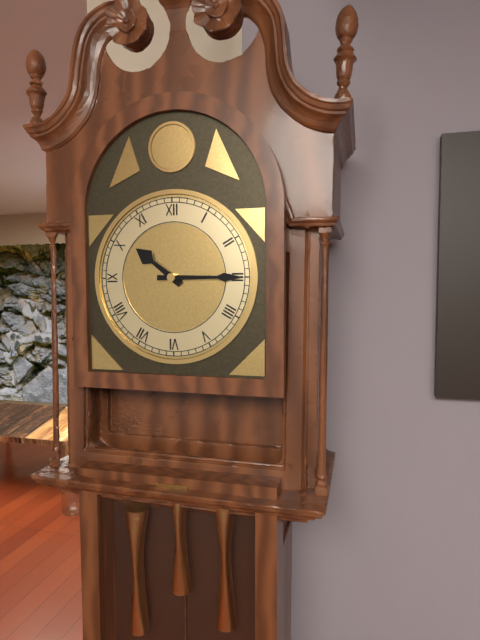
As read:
{"hour": 10, "minute": 15}
